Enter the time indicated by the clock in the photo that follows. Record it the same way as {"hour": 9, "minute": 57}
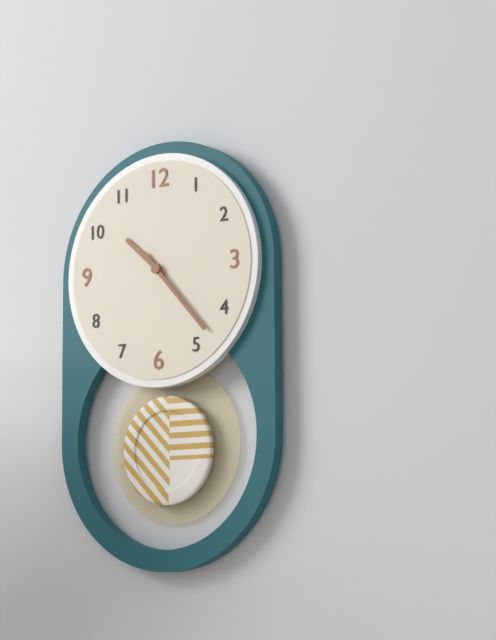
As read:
{"hour": 10, "minute": 23}
